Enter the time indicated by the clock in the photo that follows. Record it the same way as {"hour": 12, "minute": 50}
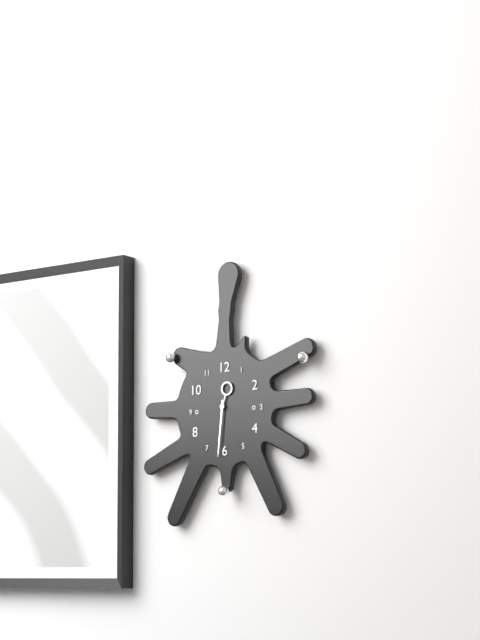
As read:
{"hour": 12, "minute": 31}
